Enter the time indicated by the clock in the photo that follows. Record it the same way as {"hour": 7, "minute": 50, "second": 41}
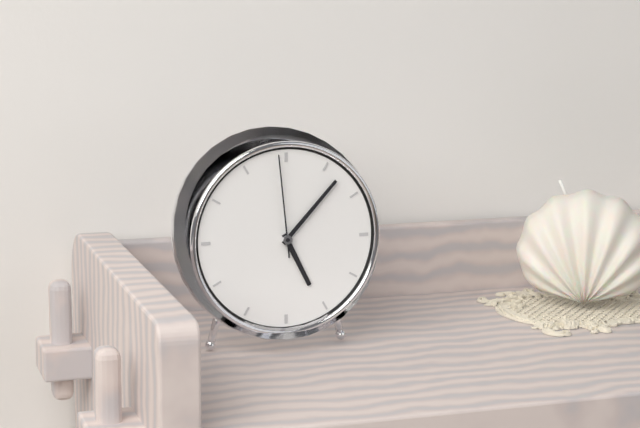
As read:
{"hour": 5, "minute": 7, "second": 59}
